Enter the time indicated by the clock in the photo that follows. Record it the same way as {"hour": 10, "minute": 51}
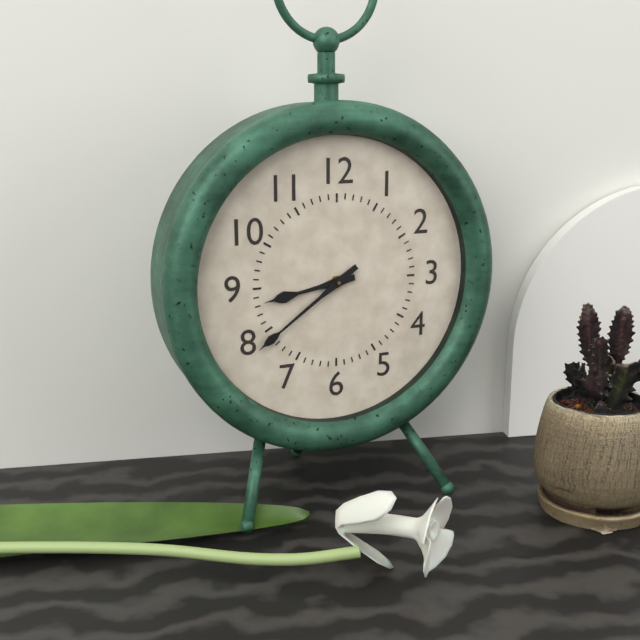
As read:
{"hour": 8, "minute": 39}
